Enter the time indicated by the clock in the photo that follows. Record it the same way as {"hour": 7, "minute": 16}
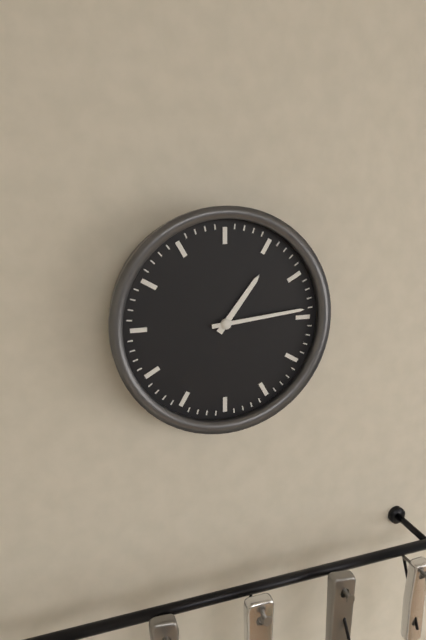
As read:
{"hour": 1, "minute": 14}
